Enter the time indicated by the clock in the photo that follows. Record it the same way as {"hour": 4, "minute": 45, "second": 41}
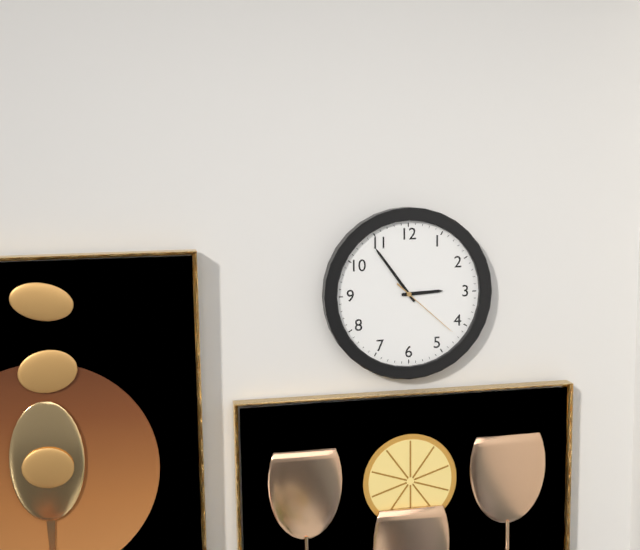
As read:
{"hour": 2, "minute": 54, "second": 22}
